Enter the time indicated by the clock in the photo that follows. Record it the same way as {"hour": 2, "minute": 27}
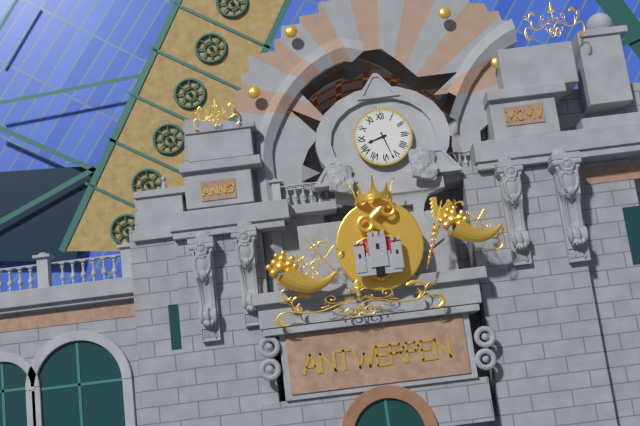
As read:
{"hour": 8, "minute": 27}
